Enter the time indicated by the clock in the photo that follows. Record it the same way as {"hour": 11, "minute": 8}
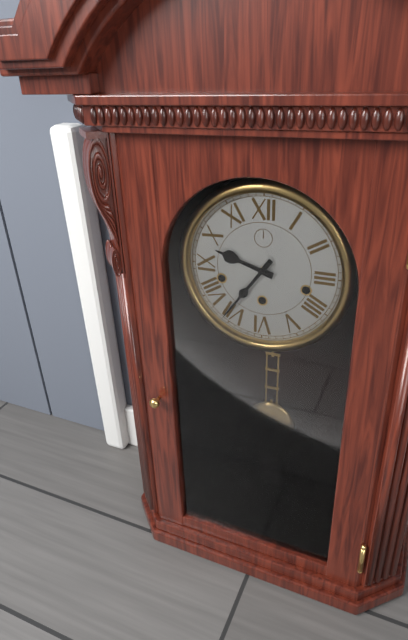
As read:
{"hour": 9, "minute": 36}
